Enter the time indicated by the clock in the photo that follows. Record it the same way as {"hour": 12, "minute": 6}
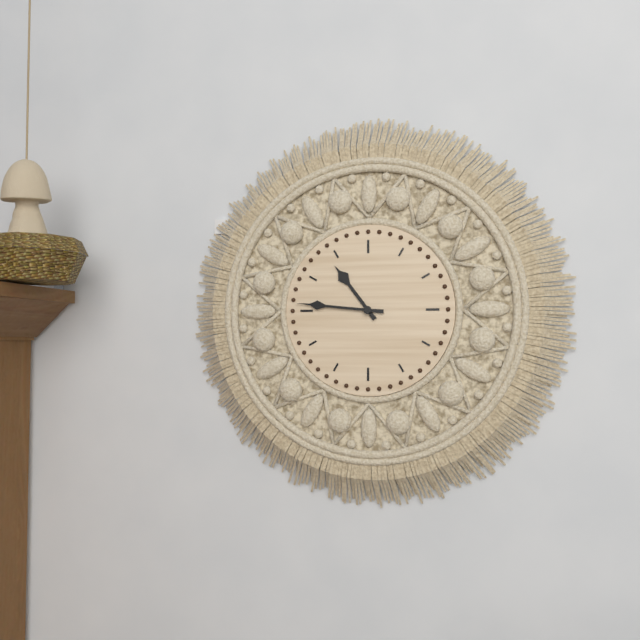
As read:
{"hour": 10, "minute": 46}
